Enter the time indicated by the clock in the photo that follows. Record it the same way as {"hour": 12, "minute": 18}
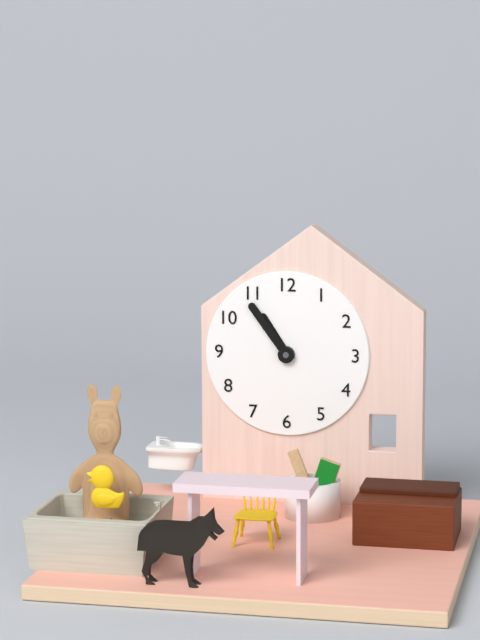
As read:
{"hour": 10, "minute": 54}
